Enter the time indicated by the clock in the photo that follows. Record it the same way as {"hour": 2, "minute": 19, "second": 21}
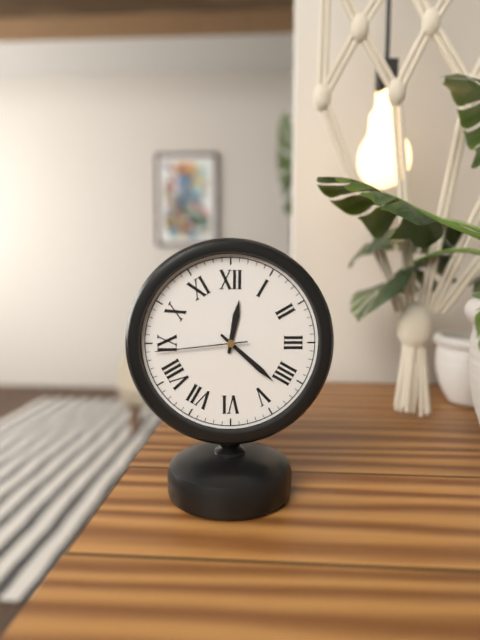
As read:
{"hour": 12, "minute": 22, "second": 44}
